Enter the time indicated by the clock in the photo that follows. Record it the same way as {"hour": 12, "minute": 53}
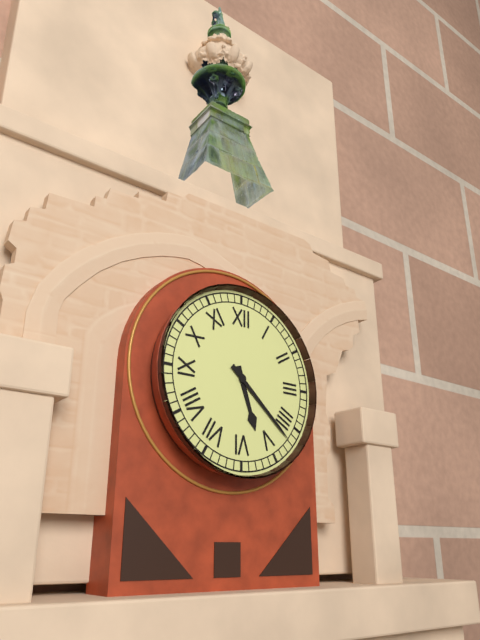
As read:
{"hour": 5, "minute": 22}
